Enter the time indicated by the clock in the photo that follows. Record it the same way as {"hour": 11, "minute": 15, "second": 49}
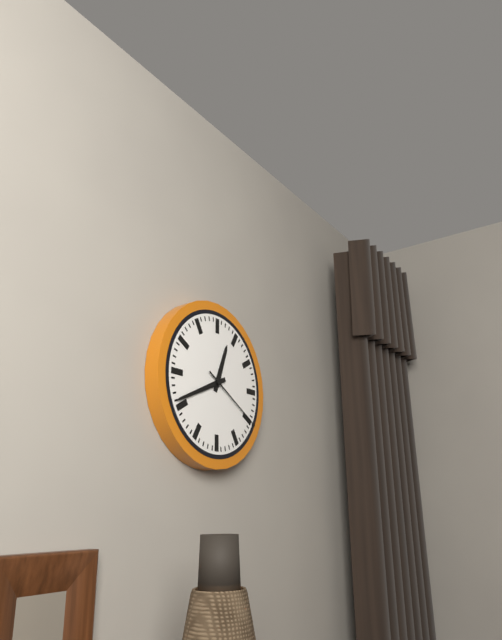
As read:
{"hour": 12, "minute": 41, "second": 20}
